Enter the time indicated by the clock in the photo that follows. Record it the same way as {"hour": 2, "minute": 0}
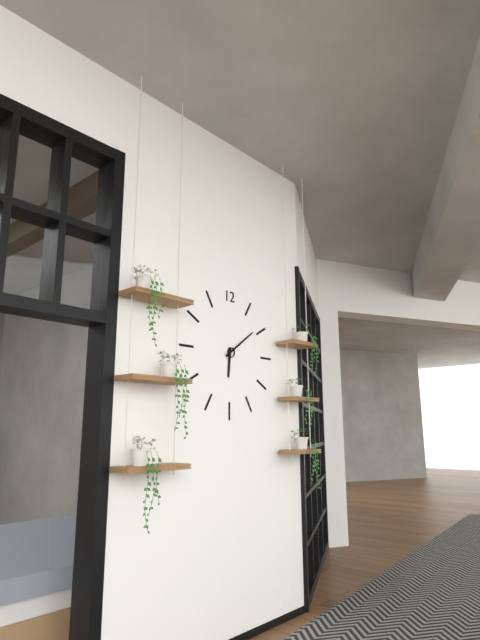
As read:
{"hour": 6, "minute": 9}
